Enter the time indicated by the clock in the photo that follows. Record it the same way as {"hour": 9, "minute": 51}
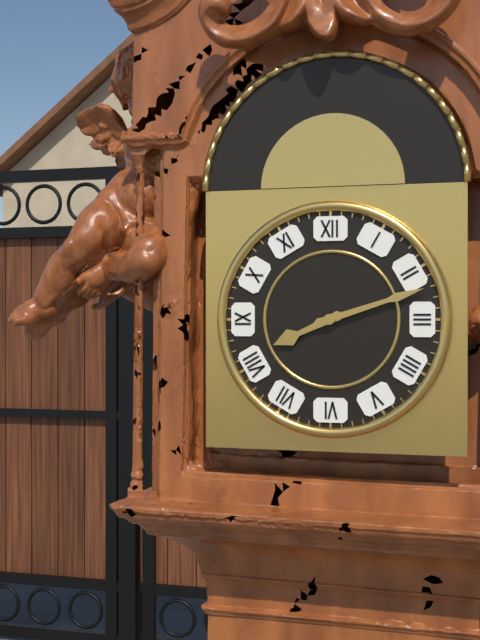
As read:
{"hour": 8, "minute": 12}
